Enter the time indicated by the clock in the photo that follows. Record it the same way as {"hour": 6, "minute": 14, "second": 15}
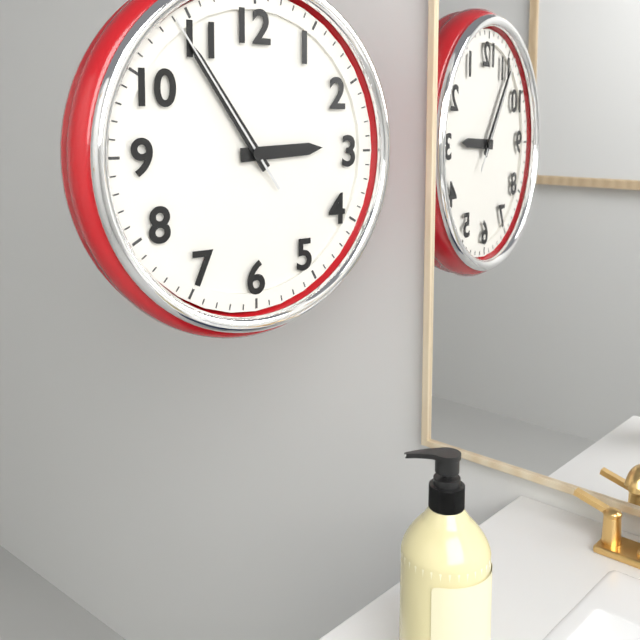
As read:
{"hour": 2, "minute": 54, "second": 54}
